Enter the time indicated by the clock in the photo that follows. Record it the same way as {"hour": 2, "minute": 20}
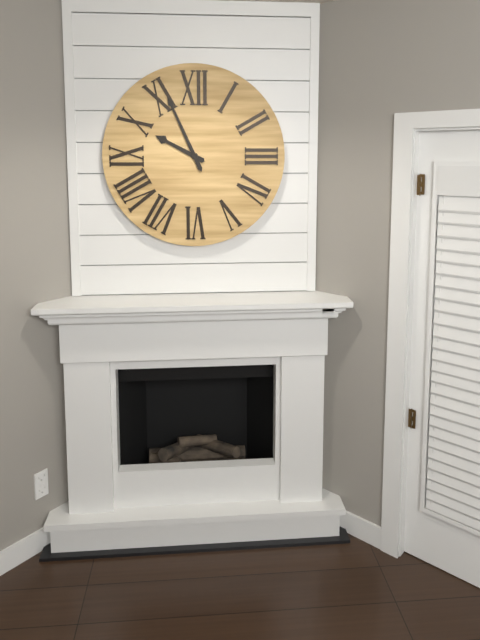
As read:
{"hour": 9, "minute": 56}
